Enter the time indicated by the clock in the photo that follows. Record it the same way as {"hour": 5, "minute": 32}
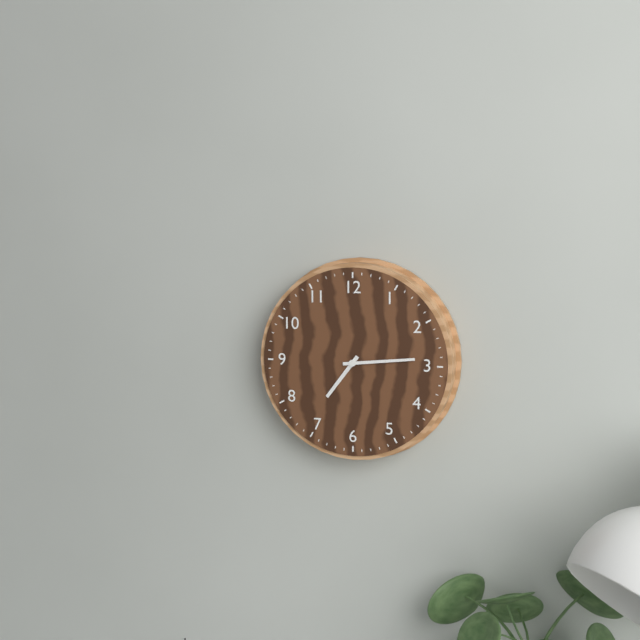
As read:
{"hour": 7, "minute": 14}
